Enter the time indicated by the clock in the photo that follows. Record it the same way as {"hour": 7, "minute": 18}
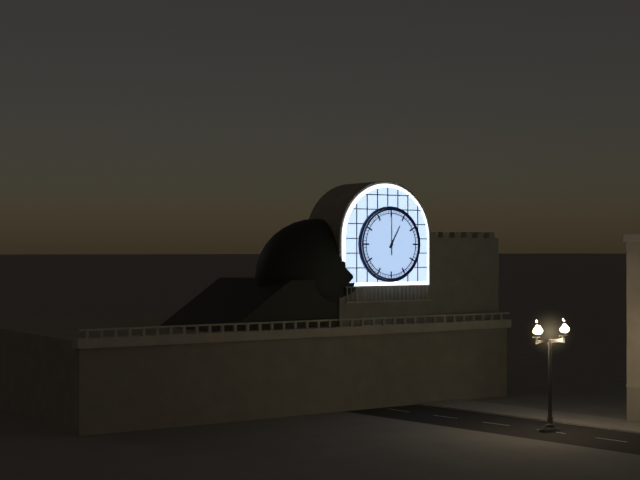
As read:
{"hour": 1, "minute": 0}
